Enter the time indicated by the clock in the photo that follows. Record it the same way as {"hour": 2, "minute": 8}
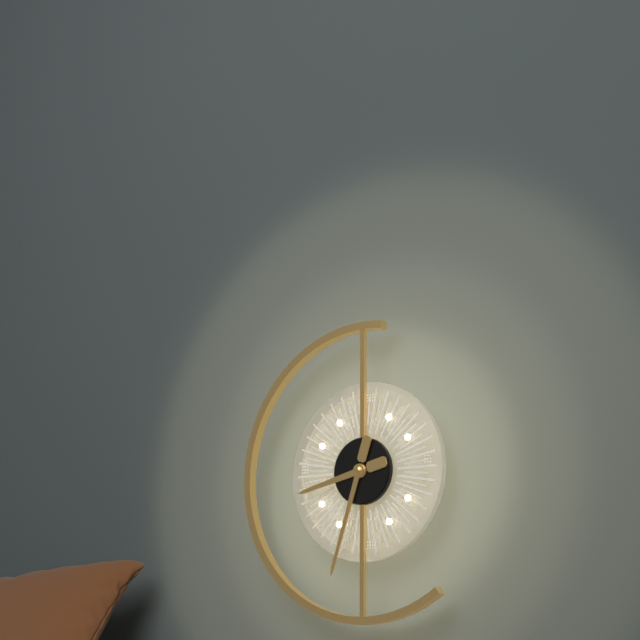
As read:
{"hour": 8, "minute": 33}
